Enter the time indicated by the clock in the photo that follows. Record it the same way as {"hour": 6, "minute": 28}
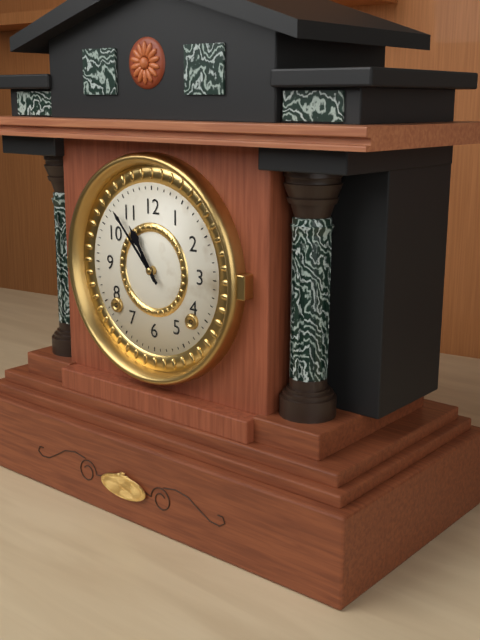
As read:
{"hour": 10, "minute": 53}
